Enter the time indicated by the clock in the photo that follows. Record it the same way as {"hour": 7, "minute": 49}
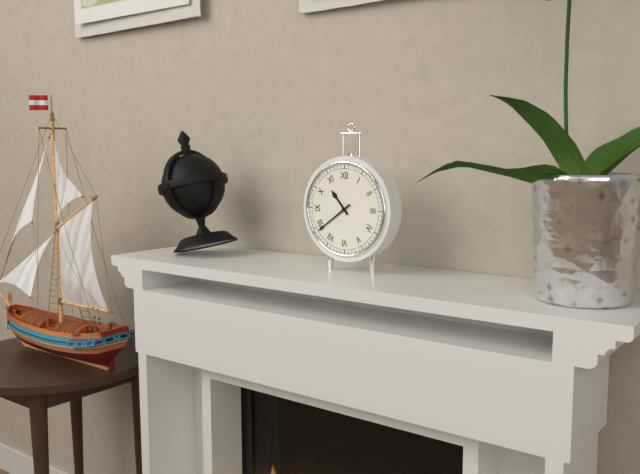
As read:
{"hour": 10, "minute": 39}
